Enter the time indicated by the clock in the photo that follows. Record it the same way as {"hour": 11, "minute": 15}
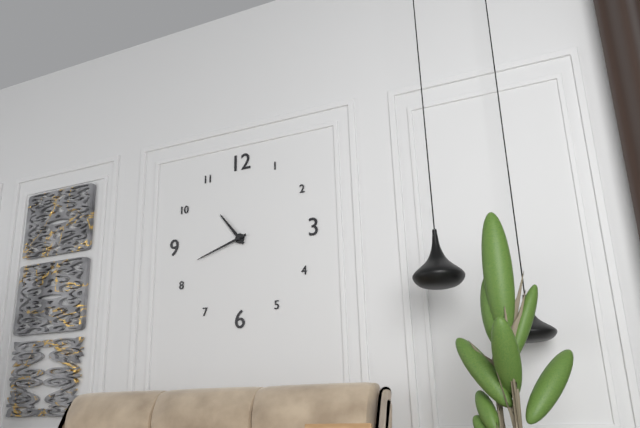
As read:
{"hour": 10, "minute": 42}
